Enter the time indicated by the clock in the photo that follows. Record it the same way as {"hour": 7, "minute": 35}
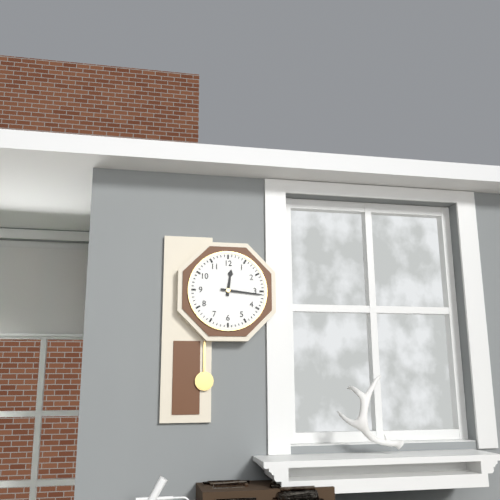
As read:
{"hour": 12, "minute": 16}
